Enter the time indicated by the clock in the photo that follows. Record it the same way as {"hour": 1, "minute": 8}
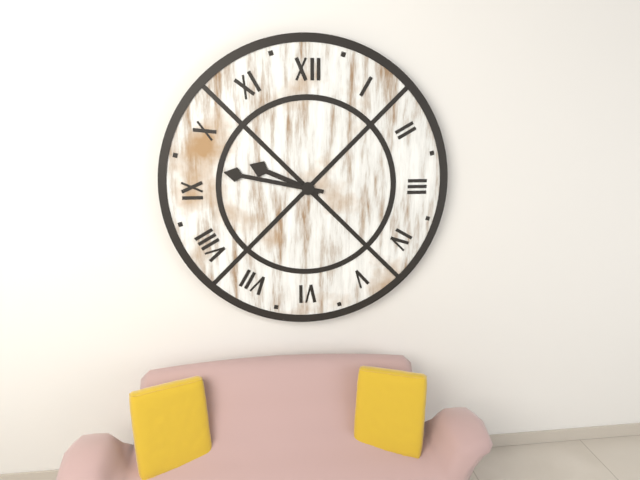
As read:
{"hour": 9, "minute": 47}
